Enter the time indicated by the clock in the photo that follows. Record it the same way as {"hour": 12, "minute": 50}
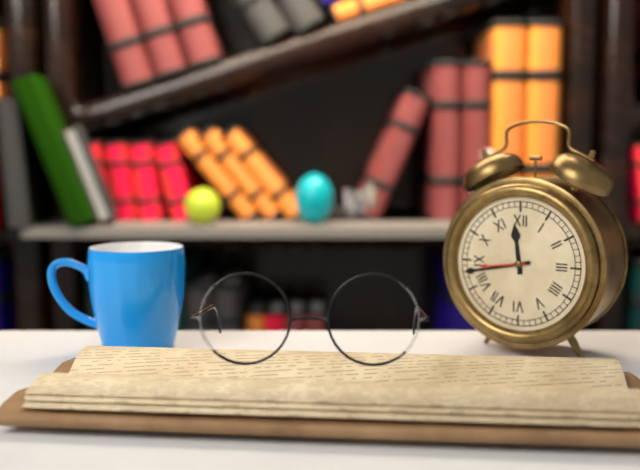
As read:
{"hour": 11, "minute": 43}
